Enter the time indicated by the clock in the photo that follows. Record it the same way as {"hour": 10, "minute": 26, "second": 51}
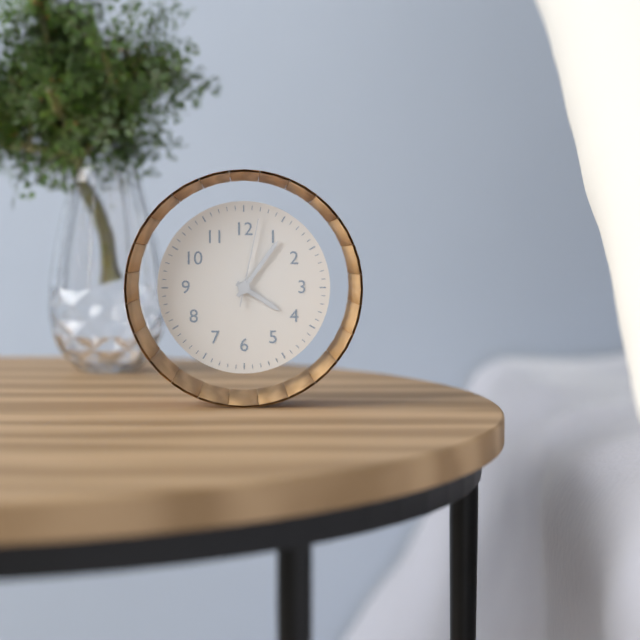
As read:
{"hour": 4, "minute": 6, "second": 2}
